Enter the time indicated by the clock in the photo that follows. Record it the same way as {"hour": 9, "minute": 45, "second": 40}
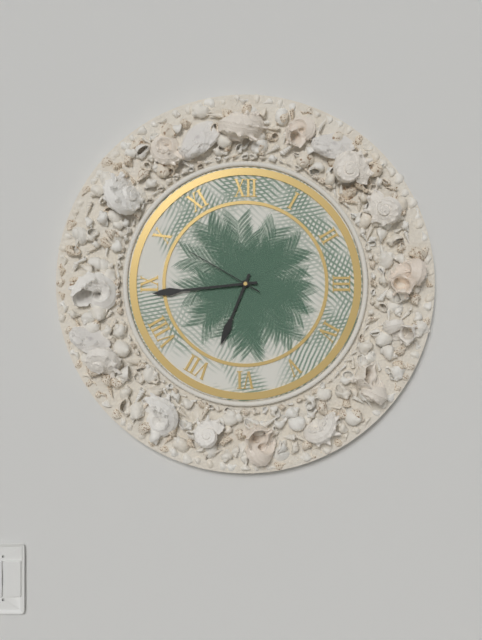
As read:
{"hour": 6, "minute": 44, "second": 50}
